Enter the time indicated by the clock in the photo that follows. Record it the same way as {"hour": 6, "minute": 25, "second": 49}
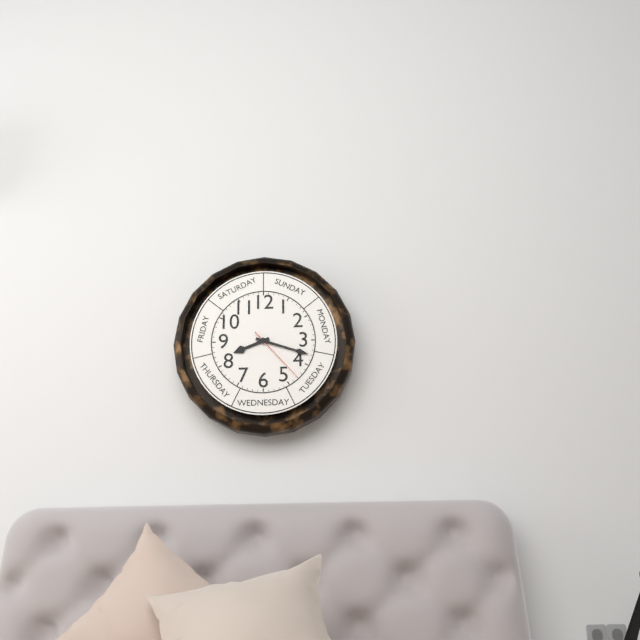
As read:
{"hour": 8, "minute": 18, "second": 23}
